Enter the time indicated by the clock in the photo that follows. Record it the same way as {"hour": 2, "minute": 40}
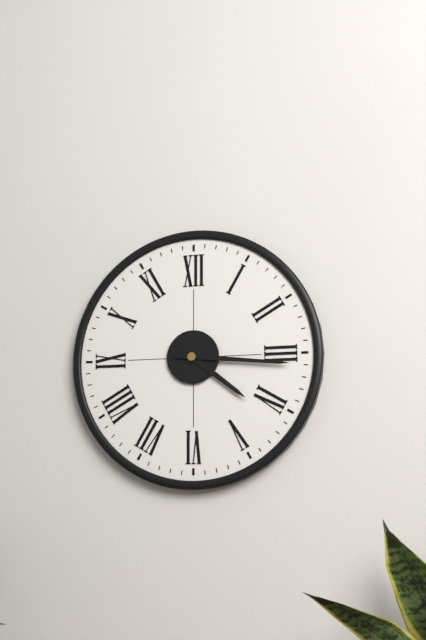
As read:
{"hour": 4, "minute": 16}
